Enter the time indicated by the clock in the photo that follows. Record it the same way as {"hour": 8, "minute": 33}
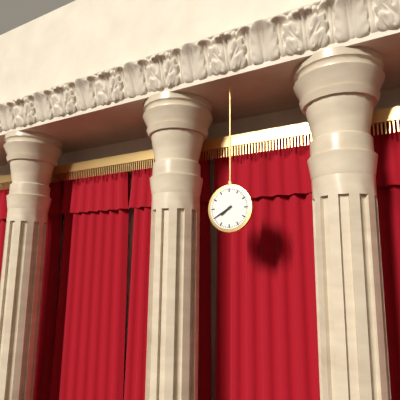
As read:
{"hour": 7, "minute": 40}
